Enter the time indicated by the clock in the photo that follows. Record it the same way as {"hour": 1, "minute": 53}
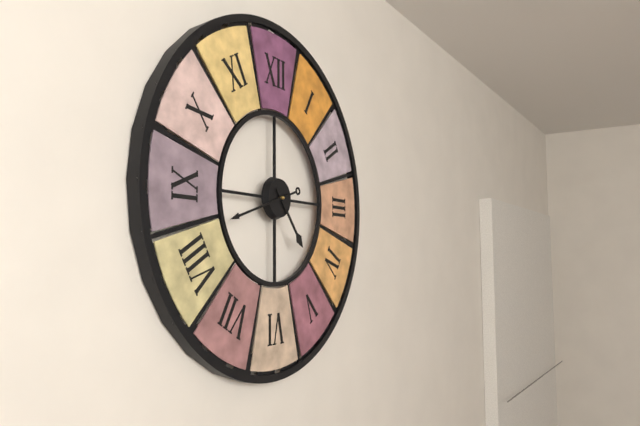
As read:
{"hour": 4, "minute": 42}
